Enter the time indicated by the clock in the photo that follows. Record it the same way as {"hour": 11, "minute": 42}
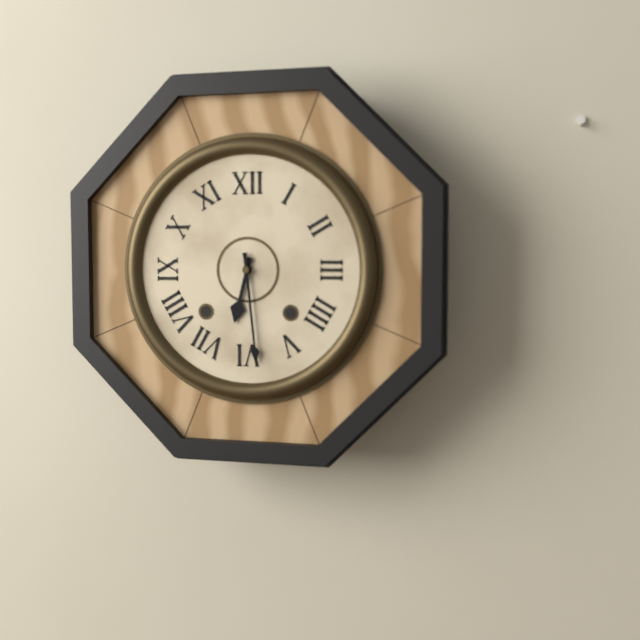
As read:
{"hour": 6, "minute": 29}
